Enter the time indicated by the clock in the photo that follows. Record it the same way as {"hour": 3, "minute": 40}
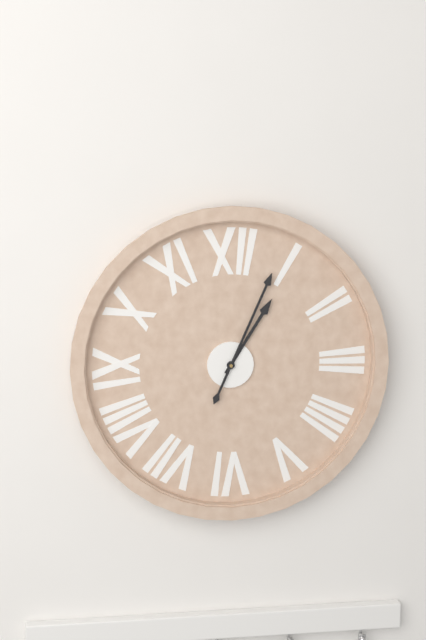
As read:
{"hour": 1, "minute": 4}
